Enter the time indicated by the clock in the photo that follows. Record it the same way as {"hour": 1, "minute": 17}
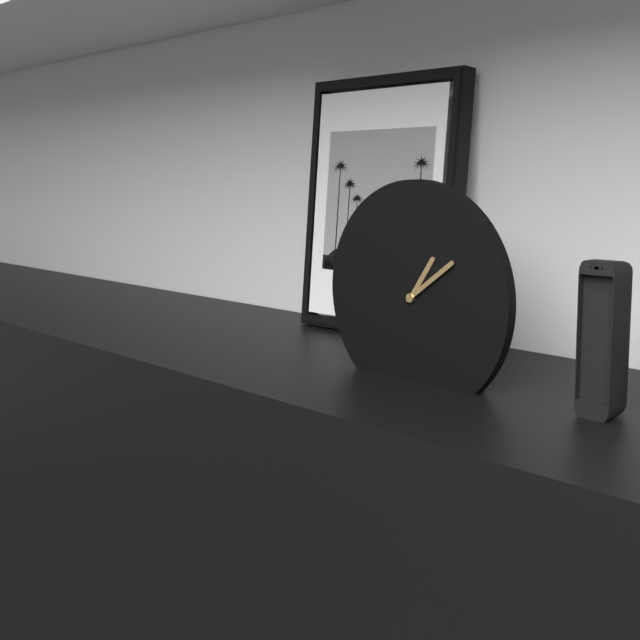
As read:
{"hour": 1, "minute": 9}
